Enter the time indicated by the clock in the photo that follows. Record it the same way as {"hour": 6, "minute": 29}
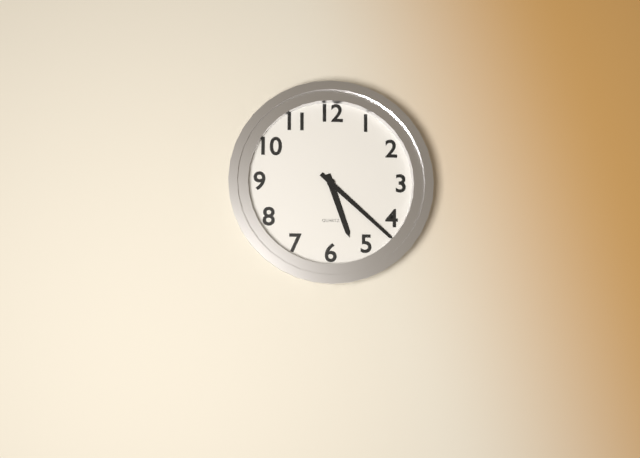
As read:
{"hour": 5, "minute": 22}
